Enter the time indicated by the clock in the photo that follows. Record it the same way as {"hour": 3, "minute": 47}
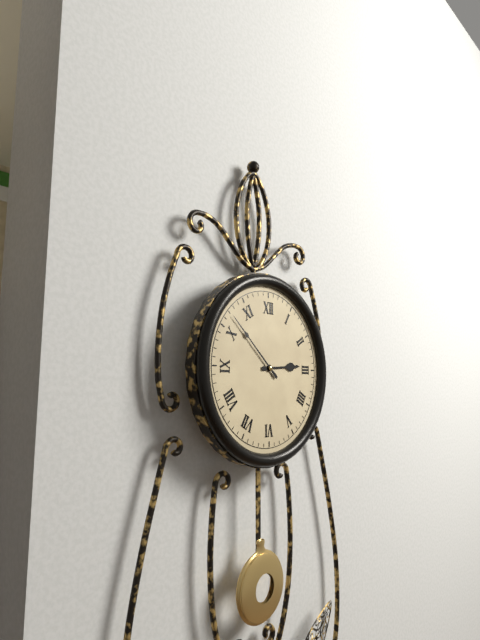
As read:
{"hour": 2, "minute": 52}
